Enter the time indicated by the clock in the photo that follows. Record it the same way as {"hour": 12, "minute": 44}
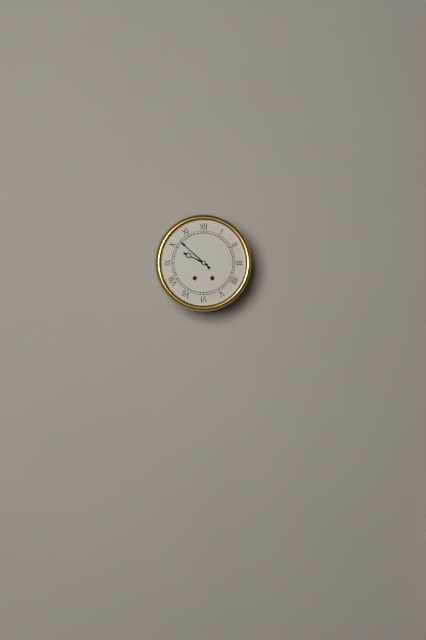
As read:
{"hour": 9, "minute": 52}
